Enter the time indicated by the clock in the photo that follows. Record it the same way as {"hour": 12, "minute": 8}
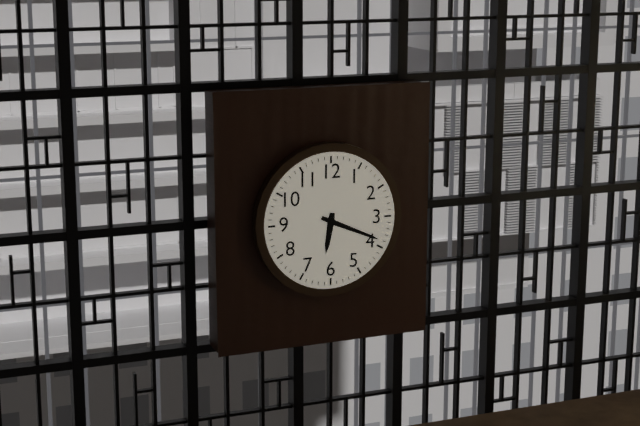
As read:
{"hour": 6, "minute": 19}
